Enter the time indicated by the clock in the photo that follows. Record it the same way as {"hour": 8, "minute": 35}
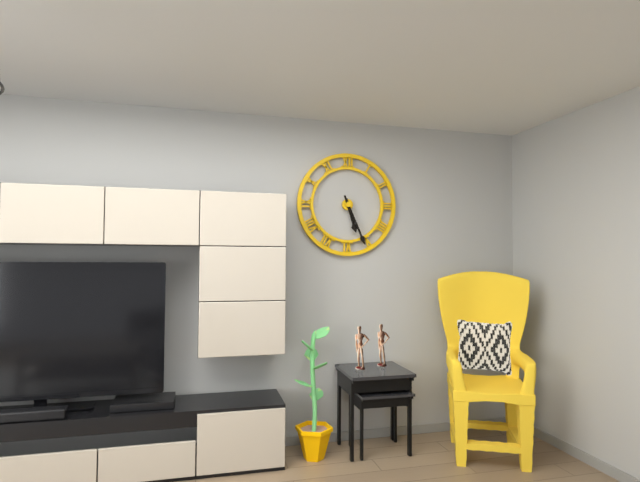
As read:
{"hour": 5, "minute": 26}
